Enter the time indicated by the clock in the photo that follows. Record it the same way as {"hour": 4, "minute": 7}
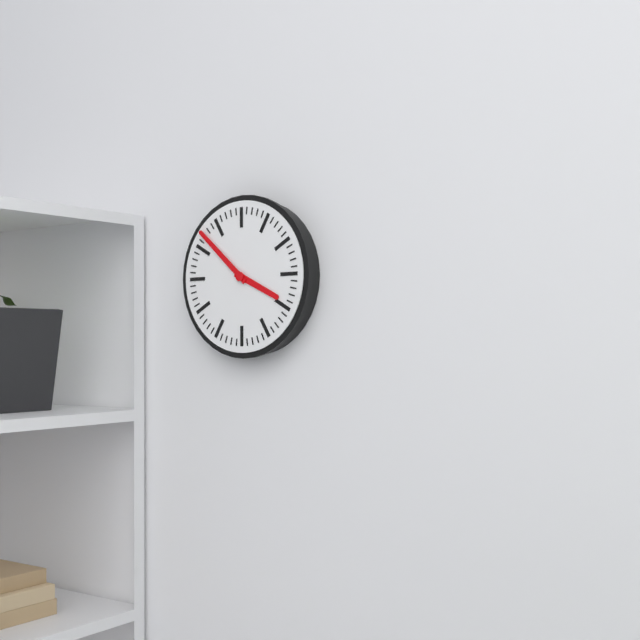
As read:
{"hour": 3, "minute": 52}
